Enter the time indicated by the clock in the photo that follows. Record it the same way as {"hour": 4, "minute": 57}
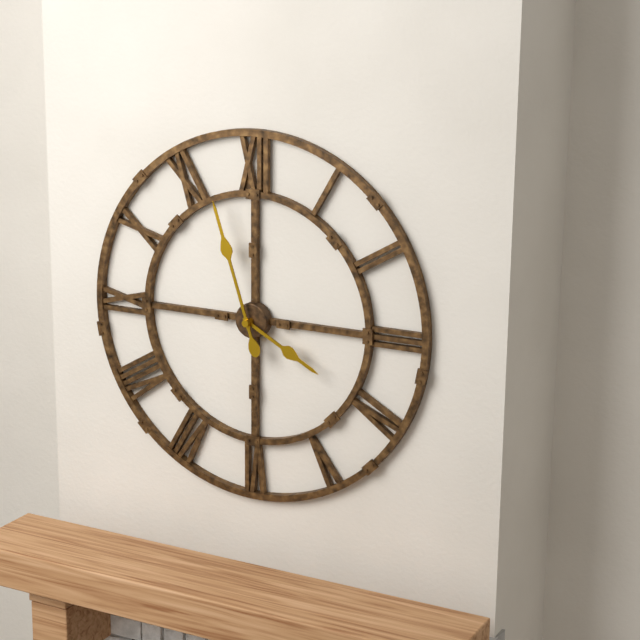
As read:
{"hour": 3, "minute": 57}
